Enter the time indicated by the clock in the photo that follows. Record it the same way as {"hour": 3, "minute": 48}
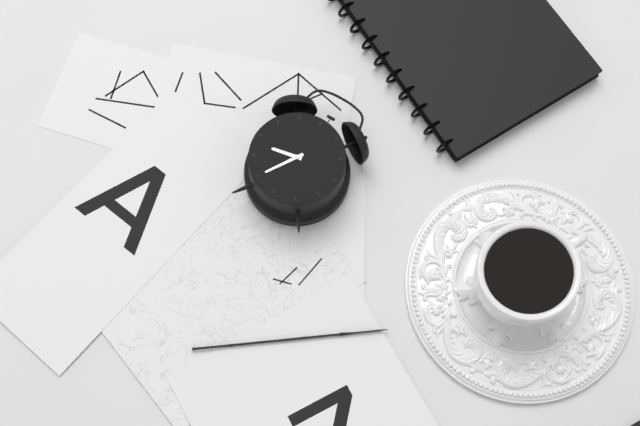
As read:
{"hour": 8, "minute": 35}
